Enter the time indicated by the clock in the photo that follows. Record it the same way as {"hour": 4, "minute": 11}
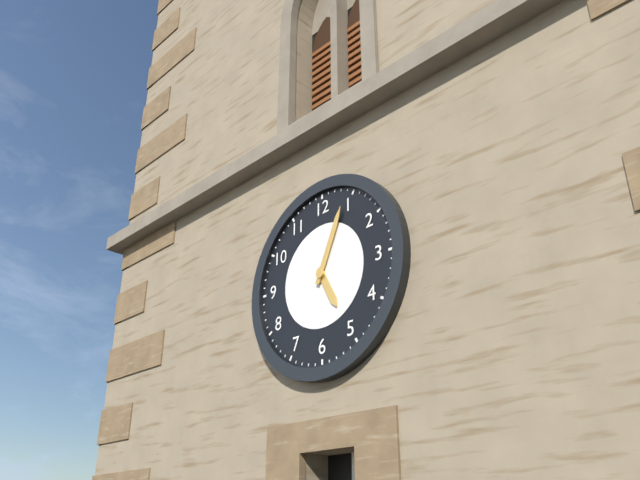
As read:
{"hour": 5, "minute": 4}
